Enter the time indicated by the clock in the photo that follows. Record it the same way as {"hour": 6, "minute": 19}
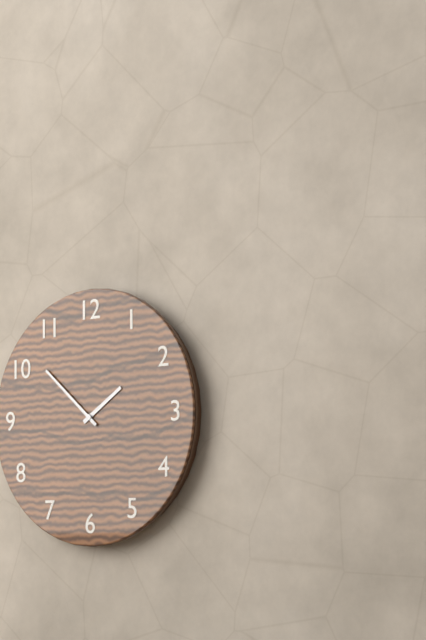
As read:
{"hour": 1, "minute": 52}
